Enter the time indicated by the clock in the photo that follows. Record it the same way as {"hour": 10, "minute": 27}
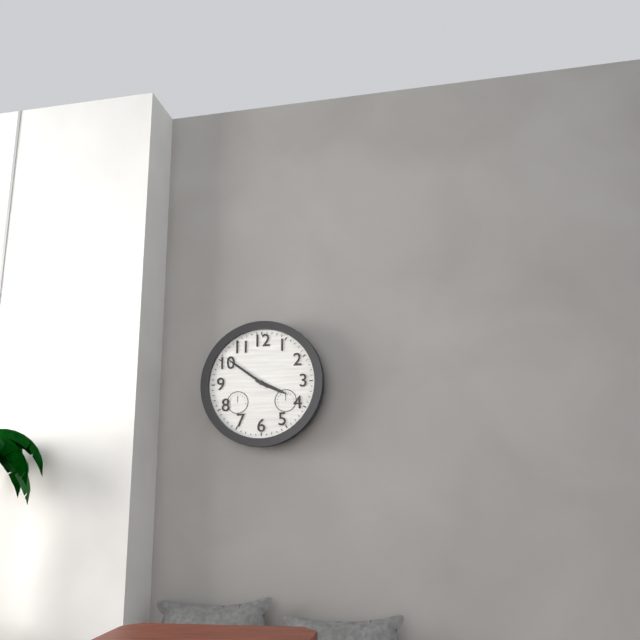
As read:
{"hour": 3, "minute": 51}
